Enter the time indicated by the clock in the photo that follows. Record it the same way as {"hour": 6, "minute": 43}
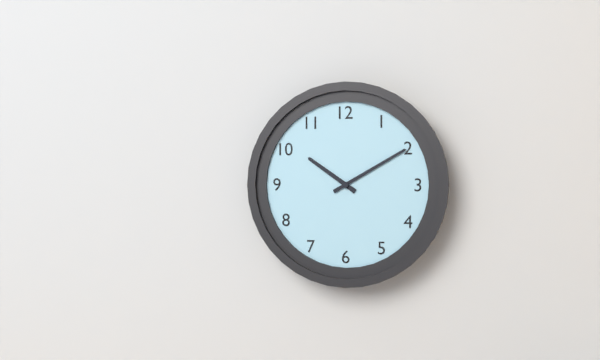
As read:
{"hour": 10, "minute": 10}
